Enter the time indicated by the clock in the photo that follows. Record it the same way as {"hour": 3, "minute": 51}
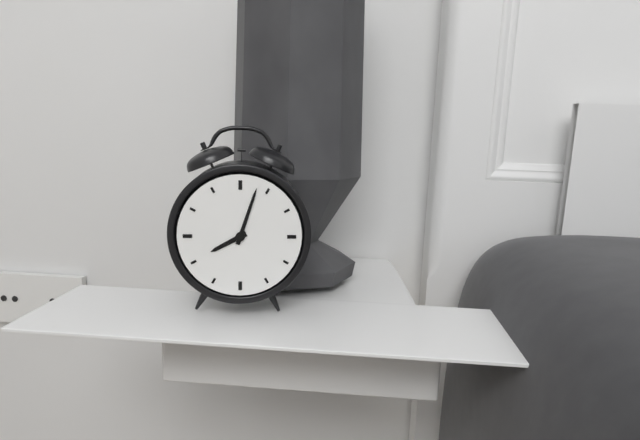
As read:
{"hour": 8, "minute": 3}
